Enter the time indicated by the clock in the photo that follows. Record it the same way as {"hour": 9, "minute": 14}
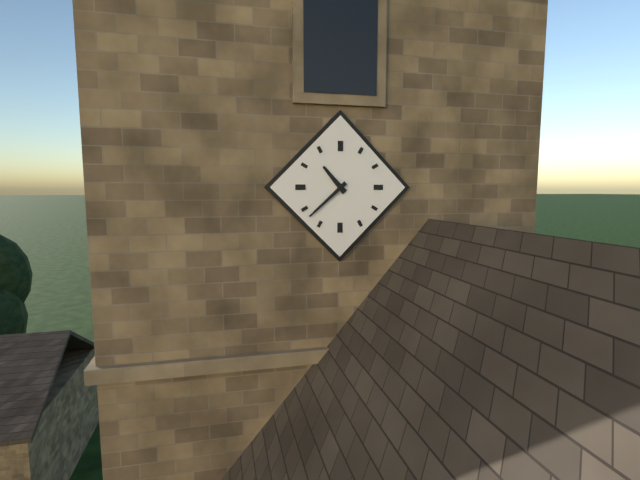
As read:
{"hour": 10, "minute": 38}
